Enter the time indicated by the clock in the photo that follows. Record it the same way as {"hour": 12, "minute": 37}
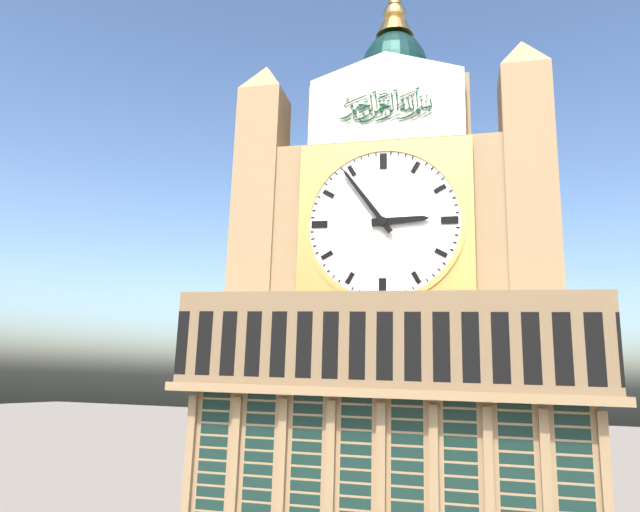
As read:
{"hour": 2, "minute": 54}
